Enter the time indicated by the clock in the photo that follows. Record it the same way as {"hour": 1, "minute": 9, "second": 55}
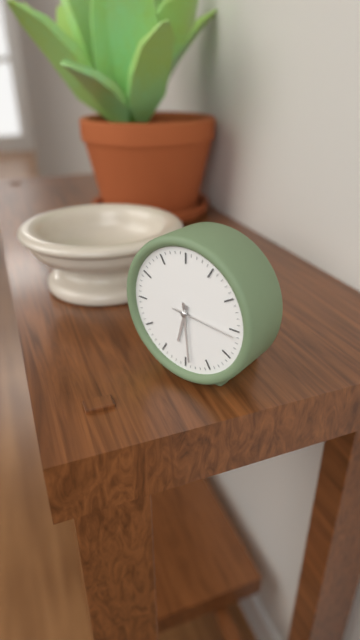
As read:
{"hour": 6, "minute": 29, "second": 16}
